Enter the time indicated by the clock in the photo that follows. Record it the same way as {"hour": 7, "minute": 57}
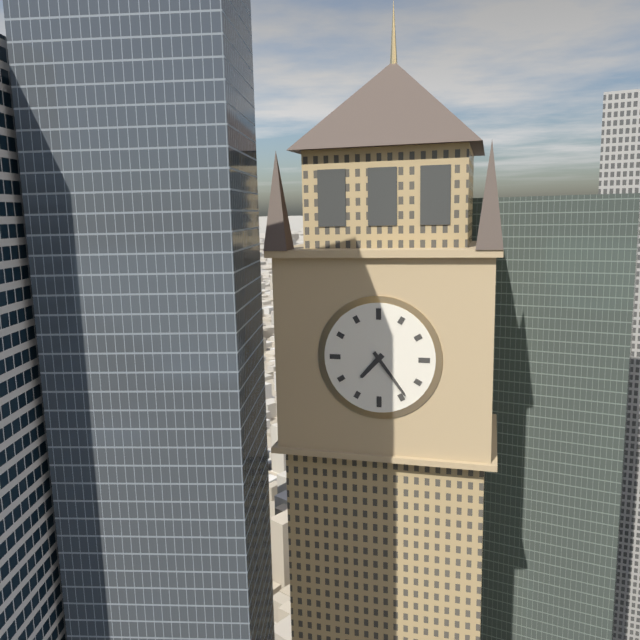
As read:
{"hour": 7, "minute": 24}
